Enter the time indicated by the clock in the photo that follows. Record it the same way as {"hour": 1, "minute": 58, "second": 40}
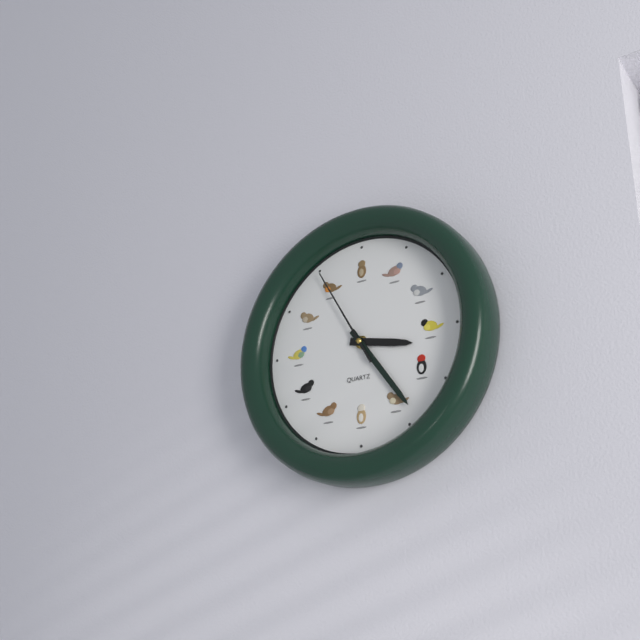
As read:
{"hour": 3, "minute": 24, "second": 55}
